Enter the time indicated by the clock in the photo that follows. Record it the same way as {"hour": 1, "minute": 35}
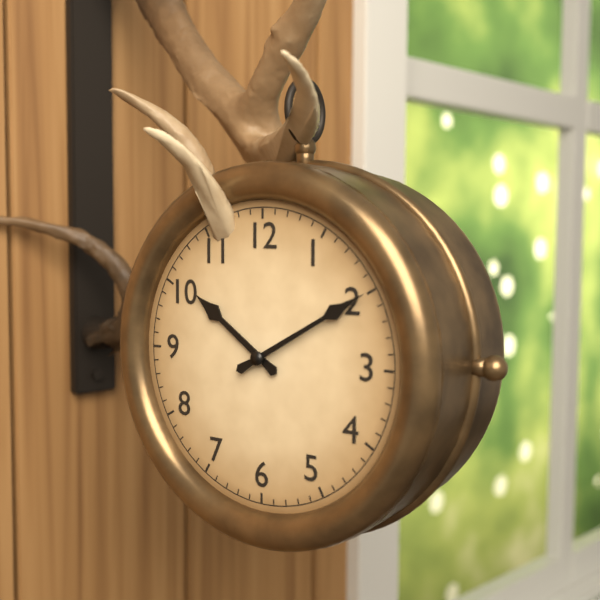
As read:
{"hour": 10, "minute": 10}
